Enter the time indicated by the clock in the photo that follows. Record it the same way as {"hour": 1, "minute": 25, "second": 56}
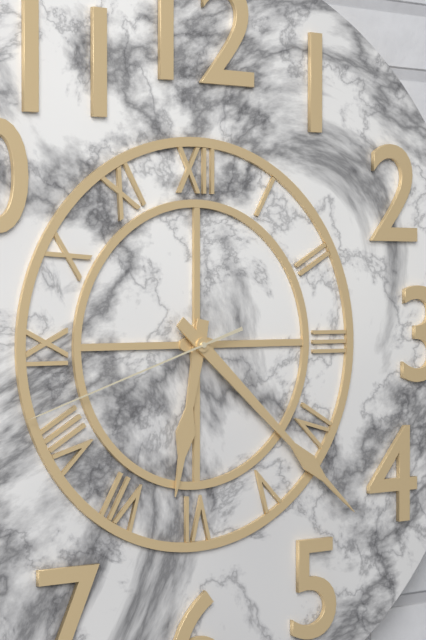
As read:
{"hour": 6, "minute": 22, "second": 42}
